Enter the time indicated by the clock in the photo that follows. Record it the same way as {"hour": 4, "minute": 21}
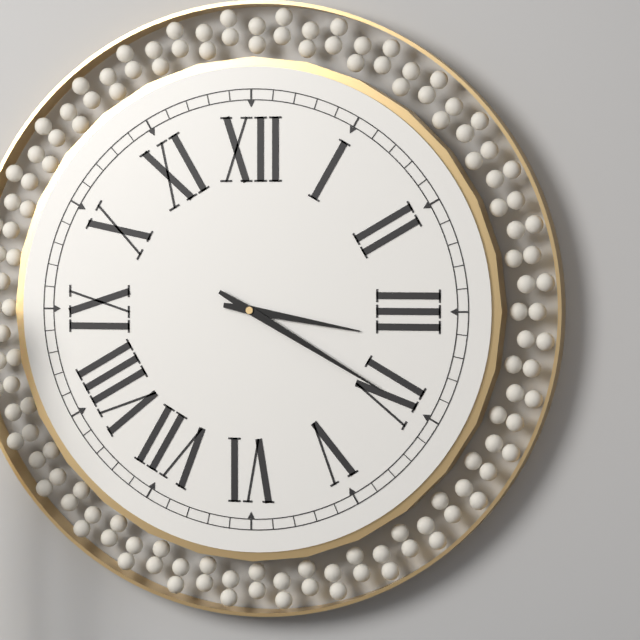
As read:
{"hour": 3, "minute": 20}
